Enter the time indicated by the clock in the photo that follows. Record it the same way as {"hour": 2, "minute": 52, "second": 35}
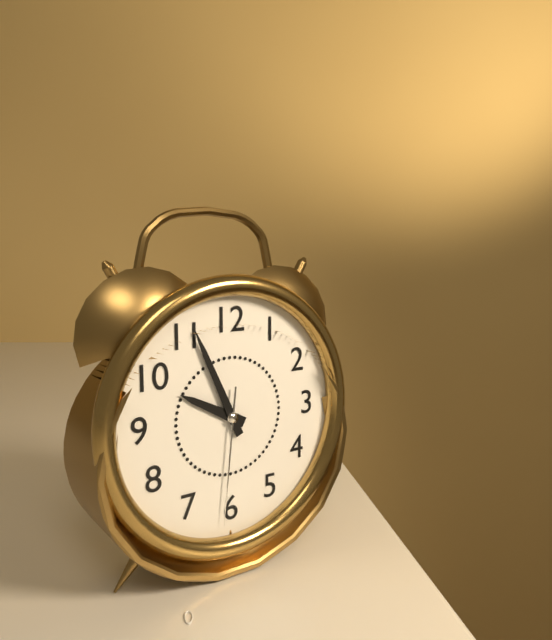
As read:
{"hour": 9, "minute": 56, "second": 31}
